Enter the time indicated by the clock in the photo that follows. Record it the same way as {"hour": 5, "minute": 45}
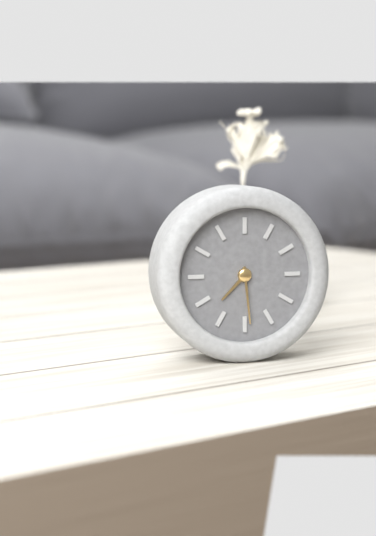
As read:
{"hour": 7, "minute": 29}
